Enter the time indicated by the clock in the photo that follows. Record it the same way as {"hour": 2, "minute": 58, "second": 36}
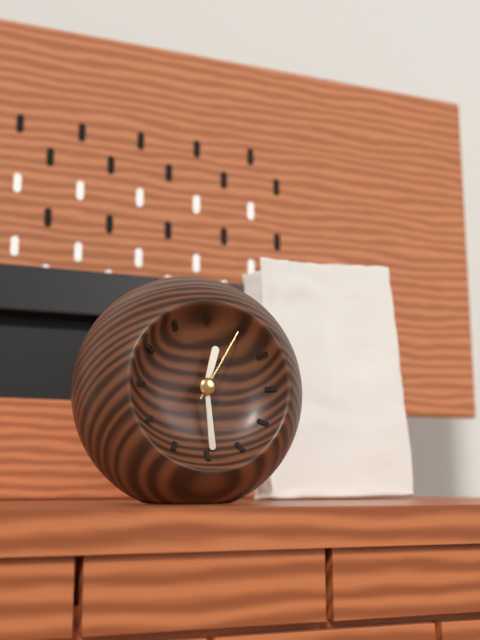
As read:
{"hour": 12, "minute": 29, "second": 5}
